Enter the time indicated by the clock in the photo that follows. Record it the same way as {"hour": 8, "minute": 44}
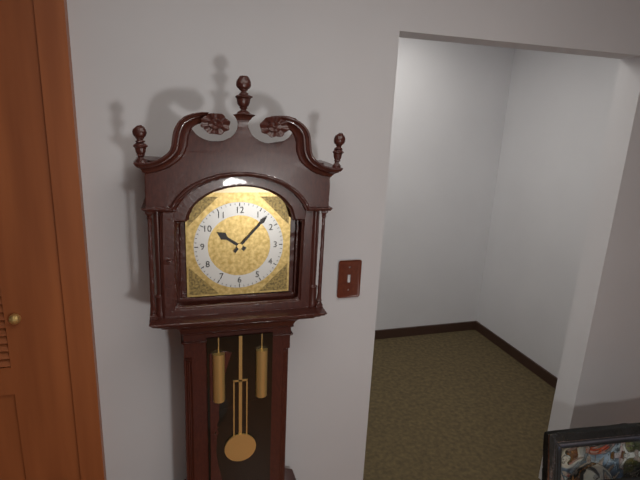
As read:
{"hour": 10, "minute": 7}
